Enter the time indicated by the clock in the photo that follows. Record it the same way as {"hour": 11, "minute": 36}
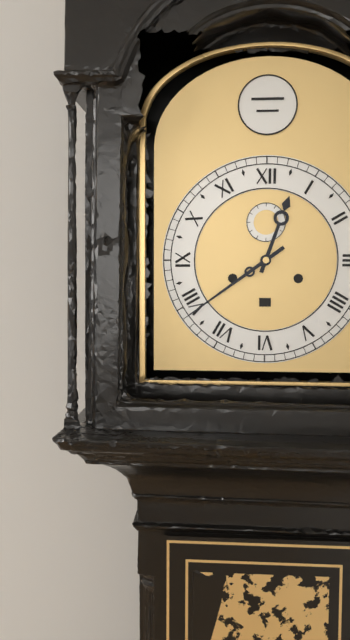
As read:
{"hour": 12, "minute": 39}
